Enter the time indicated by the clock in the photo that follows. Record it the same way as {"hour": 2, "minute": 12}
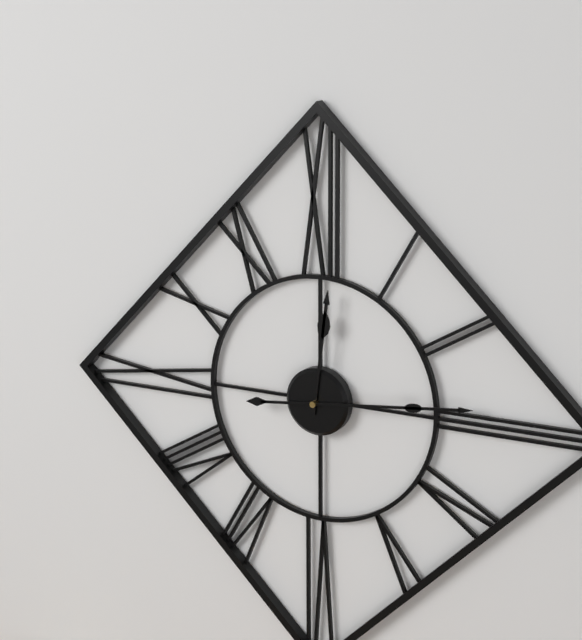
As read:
{"hour": 12, "minute": 14}
